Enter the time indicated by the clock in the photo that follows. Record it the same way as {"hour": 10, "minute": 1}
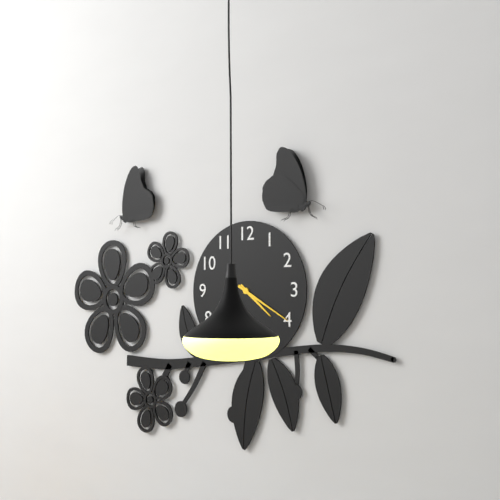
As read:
{"hour": 4, "minute": 20}
